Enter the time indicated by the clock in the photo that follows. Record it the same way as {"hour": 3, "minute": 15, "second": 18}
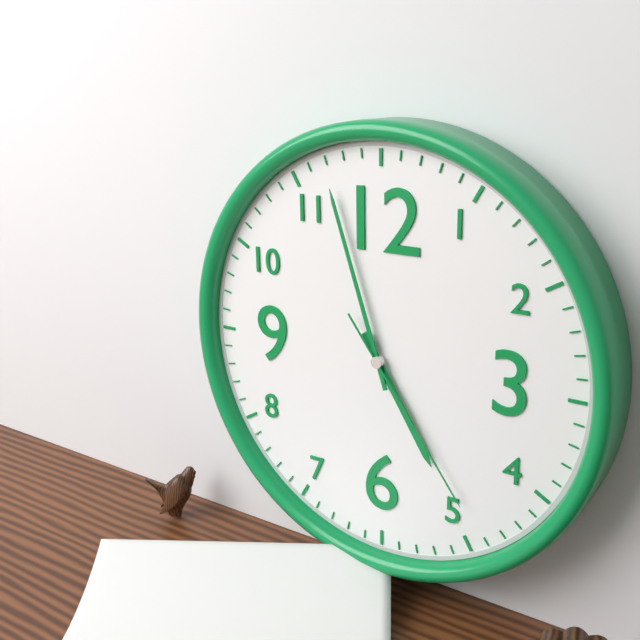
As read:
{"hour": 4, "minute": 57, "second": 24}
